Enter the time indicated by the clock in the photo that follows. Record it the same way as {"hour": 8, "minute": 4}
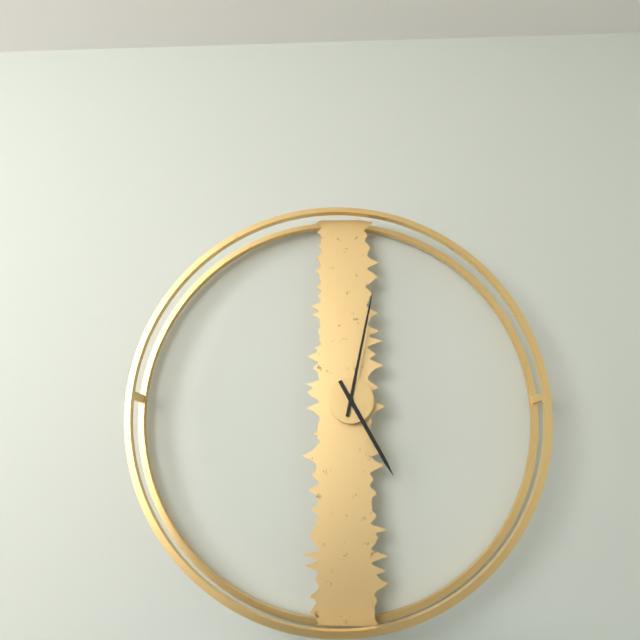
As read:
{"hour": 5, "minute": 2}
